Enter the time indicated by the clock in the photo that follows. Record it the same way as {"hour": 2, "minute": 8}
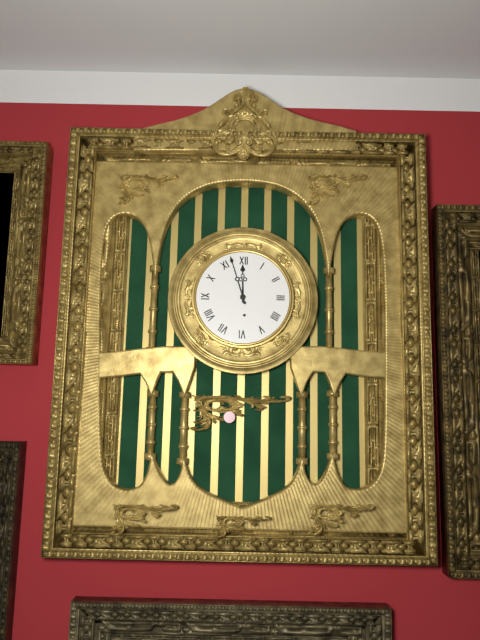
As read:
{"hour": 11, "minute": 57}
